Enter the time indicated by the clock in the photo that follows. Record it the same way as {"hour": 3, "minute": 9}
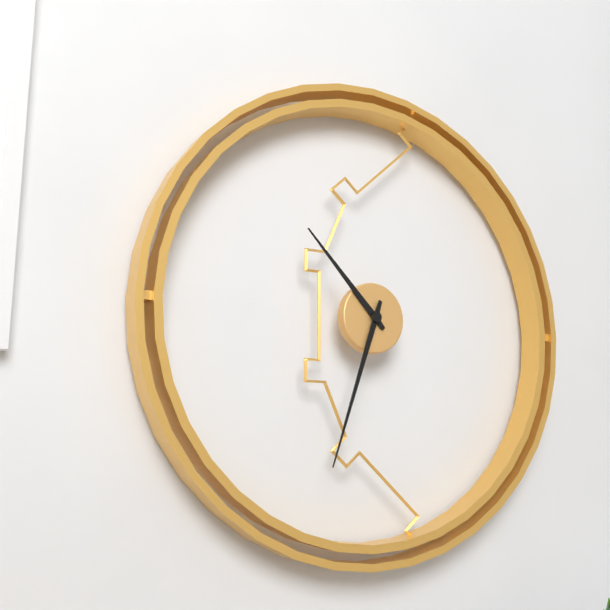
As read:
{"hour": 10, "minute": 33}
